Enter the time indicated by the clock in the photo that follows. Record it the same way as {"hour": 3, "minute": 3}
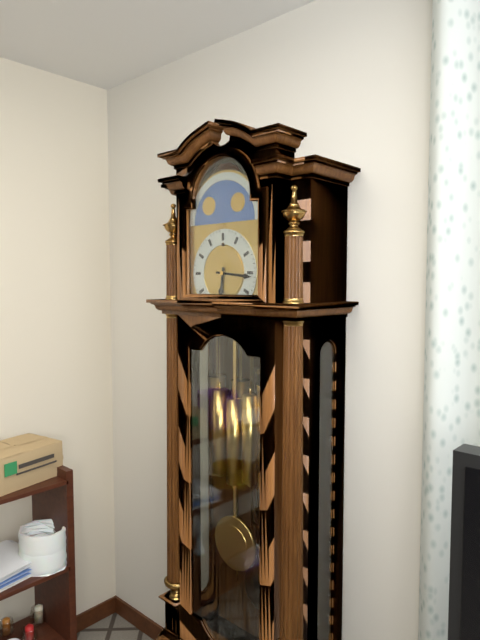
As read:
{"hour": 6, "minute": 16}
